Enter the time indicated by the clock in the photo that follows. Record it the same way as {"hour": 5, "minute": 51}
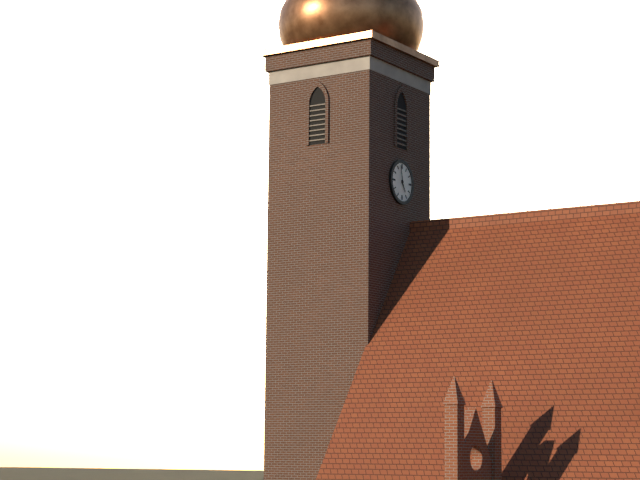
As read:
{"hour": 4, "minute": 58}
